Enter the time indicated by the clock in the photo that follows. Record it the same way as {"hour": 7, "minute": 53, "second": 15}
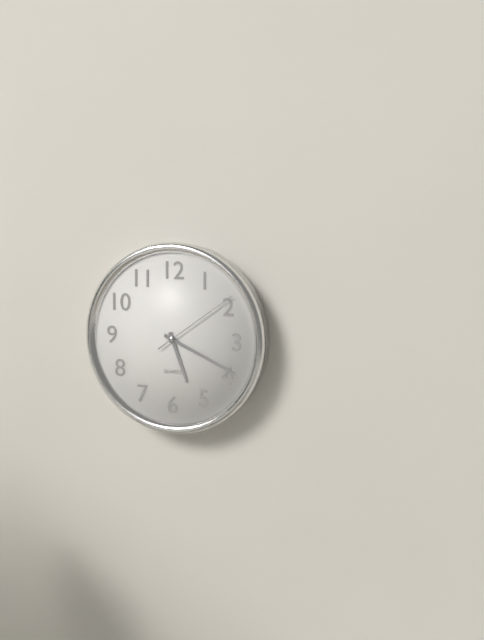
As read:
{"hour": 5, "minute": 19, "second": 9}
